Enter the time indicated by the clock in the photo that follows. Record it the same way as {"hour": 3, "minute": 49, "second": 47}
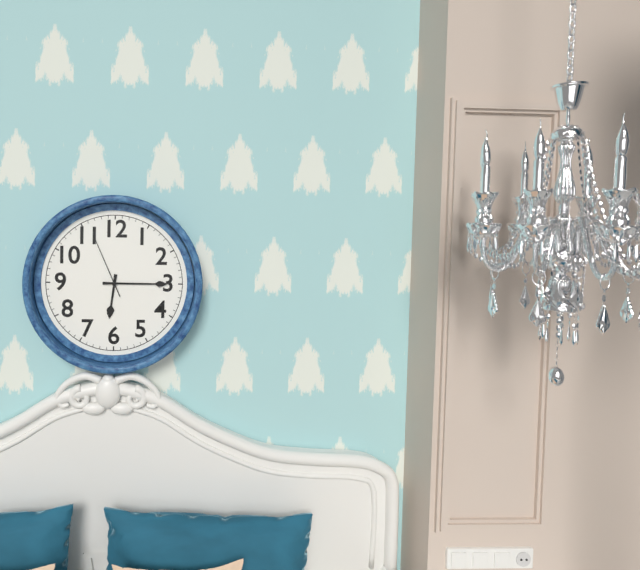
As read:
{"hour": 6, "minute": 15, "second": 56}
